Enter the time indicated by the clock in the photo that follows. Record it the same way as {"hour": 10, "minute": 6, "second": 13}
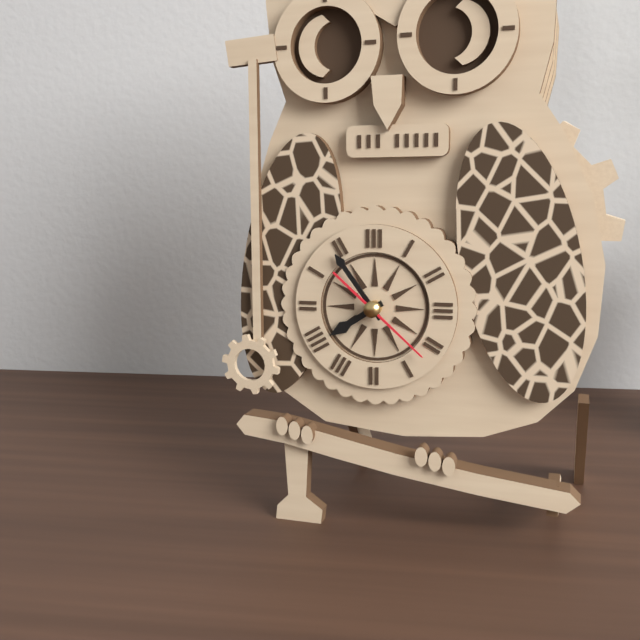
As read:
{"hour": 7, "minute": 54, "second": 22}
